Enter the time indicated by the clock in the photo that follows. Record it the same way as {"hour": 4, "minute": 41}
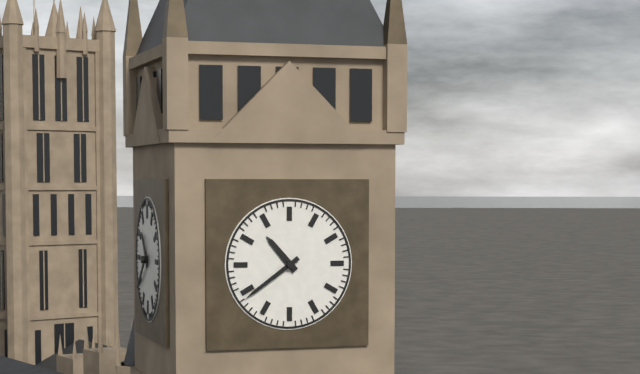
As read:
{"hour": 10, "minute": 39}
